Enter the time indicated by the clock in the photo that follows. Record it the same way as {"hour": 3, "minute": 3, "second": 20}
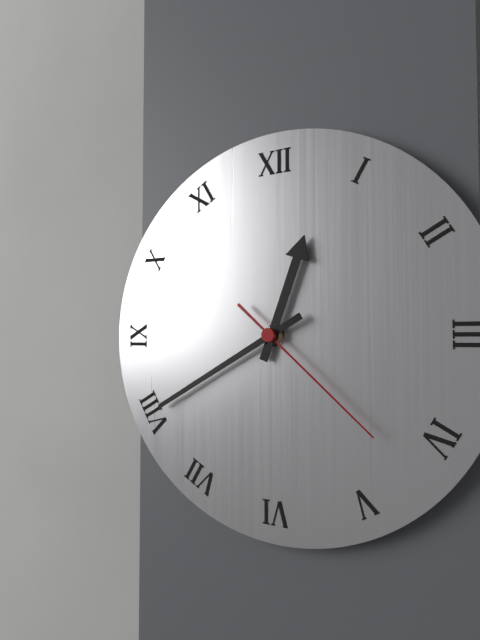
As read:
{"hour": 12, "minute": 40, "second": 22}
